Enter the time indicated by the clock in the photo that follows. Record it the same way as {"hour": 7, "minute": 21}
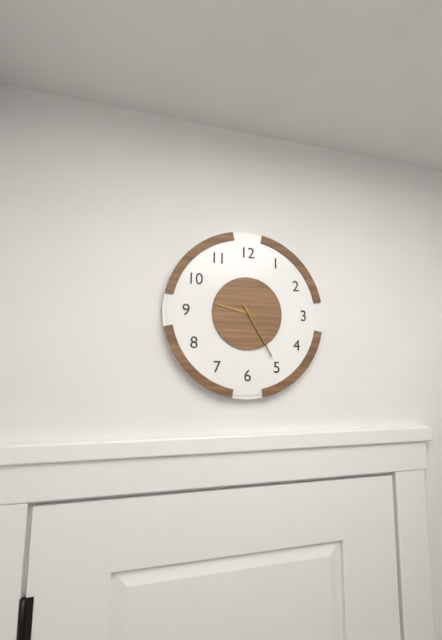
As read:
{"hour": 9, "minute": 25}
